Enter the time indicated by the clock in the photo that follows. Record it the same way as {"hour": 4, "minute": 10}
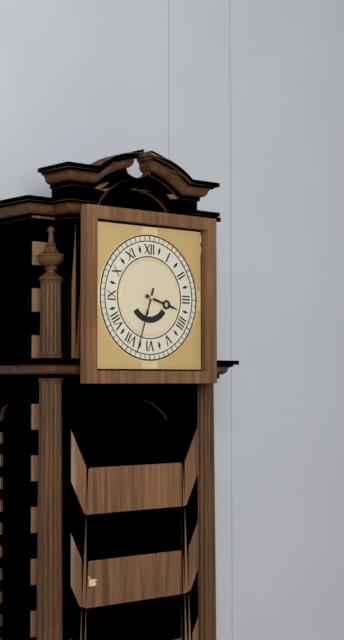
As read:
{"hour": 3, "minute": 33}
